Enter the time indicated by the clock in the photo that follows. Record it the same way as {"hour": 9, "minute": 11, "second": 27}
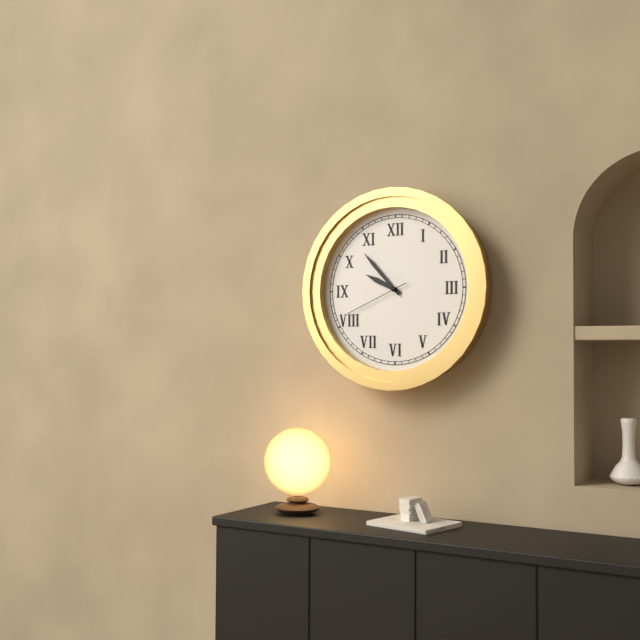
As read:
{"hour": 9, "minute": 53, "second": 41}
